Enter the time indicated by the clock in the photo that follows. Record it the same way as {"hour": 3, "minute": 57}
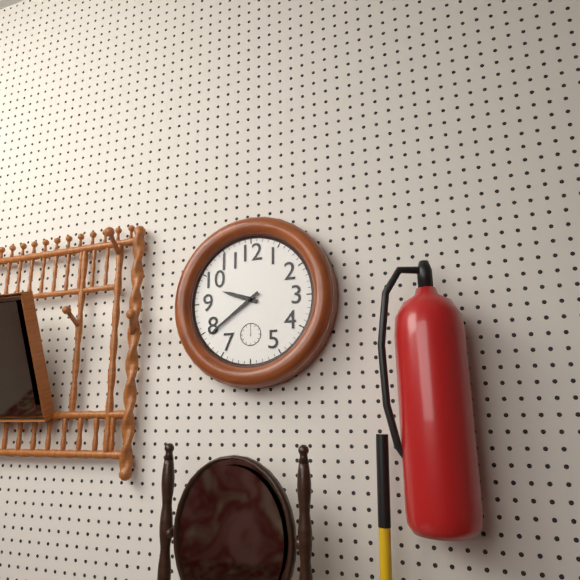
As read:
{"hour": 9, "minute": 39}
